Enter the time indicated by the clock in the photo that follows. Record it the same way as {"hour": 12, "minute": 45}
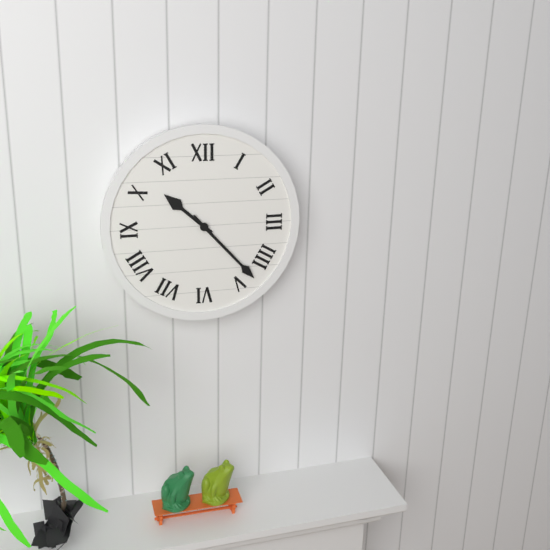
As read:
{"hour": 10, "minute": 23}
